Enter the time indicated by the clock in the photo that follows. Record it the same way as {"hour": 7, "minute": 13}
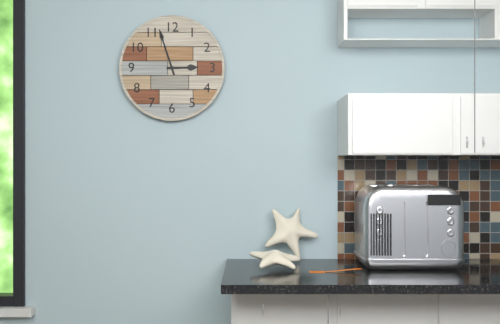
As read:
{"hour": 2, "minute": 57}
